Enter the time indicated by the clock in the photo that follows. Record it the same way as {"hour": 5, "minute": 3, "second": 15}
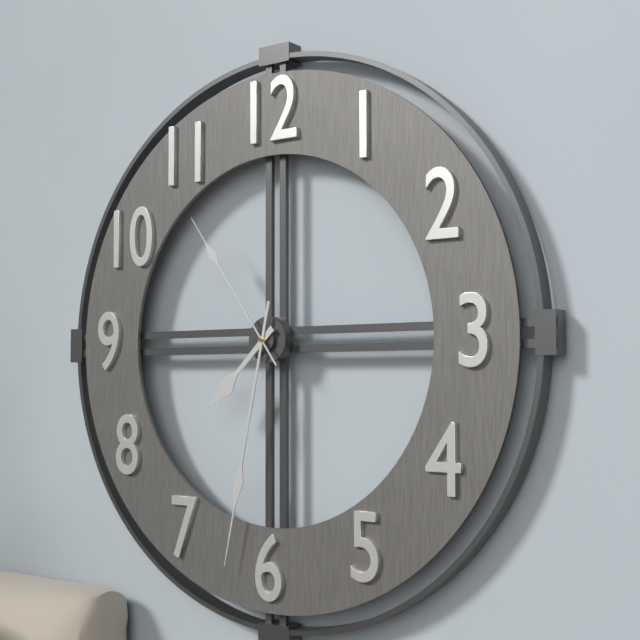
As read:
{"hour": 7, "minute": 32, "second": 54}
